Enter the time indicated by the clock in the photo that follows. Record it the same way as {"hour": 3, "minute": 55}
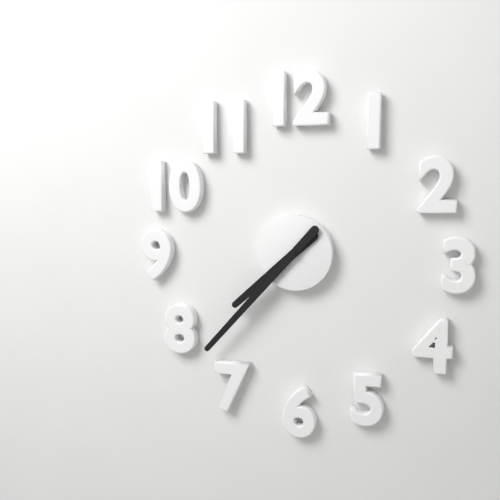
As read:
{"hour": 7, "minute": 37}
